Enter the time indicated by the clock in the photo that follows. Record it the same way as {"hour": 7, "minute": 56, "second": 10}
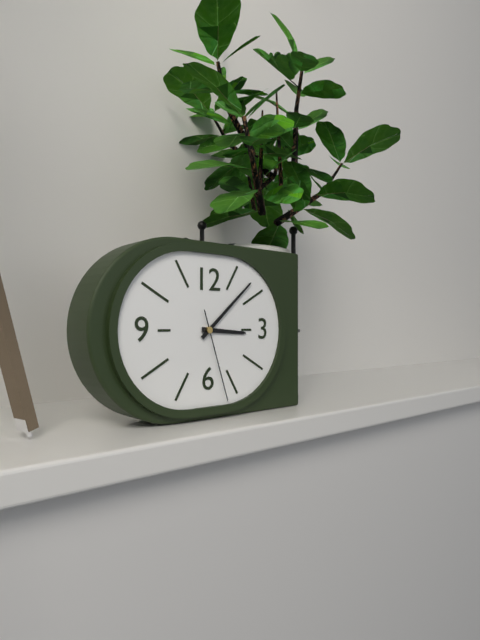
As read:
{"hour": 3, "minute": 8, "second": 27}
